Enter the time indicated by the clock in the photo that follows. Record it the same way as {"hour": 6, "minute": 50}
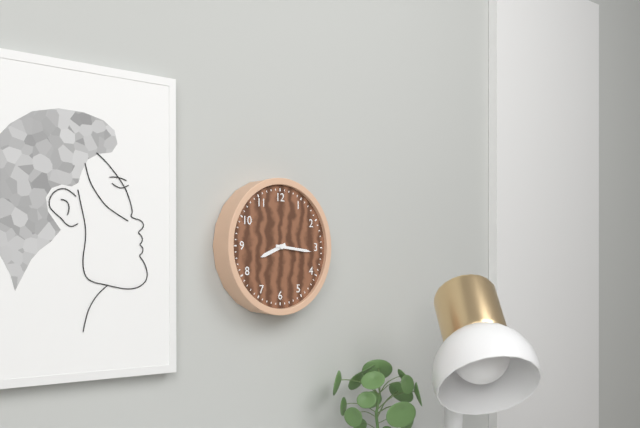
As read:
{"hour": 8, "minute": 16}
